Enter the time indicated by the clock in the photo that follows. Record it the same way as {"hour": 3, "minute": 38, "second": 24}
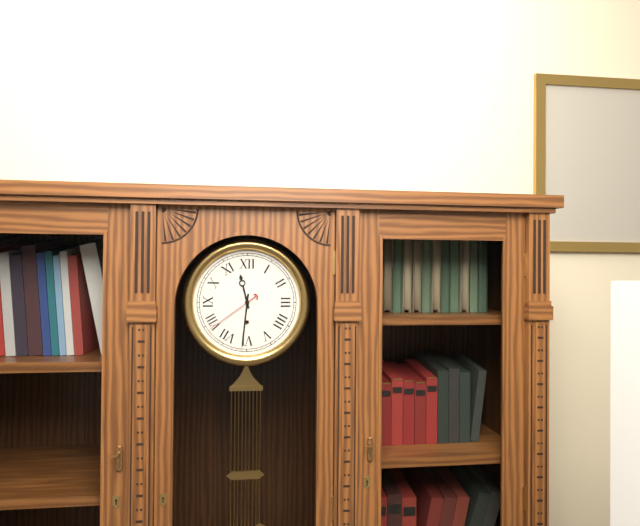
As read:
{"hour": 11, "minute": 31, "second": 39}
